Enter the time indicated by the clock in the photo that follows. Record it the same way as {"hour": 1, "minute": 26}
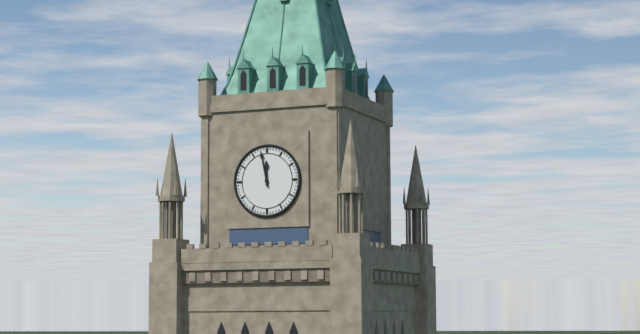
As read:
{"hour": 11, "minute": 58}
